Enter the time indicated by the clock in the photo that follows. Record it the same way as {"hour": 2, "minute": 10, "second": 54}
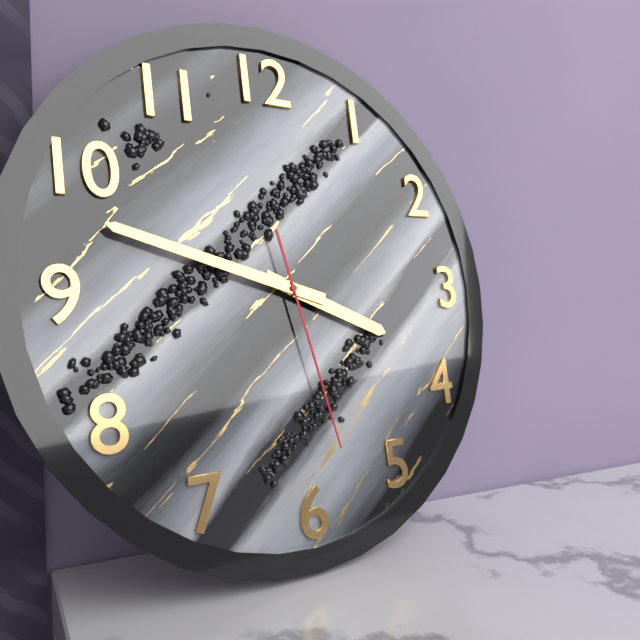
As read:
{"hour": 3, "minute": 48, "second": 28}
